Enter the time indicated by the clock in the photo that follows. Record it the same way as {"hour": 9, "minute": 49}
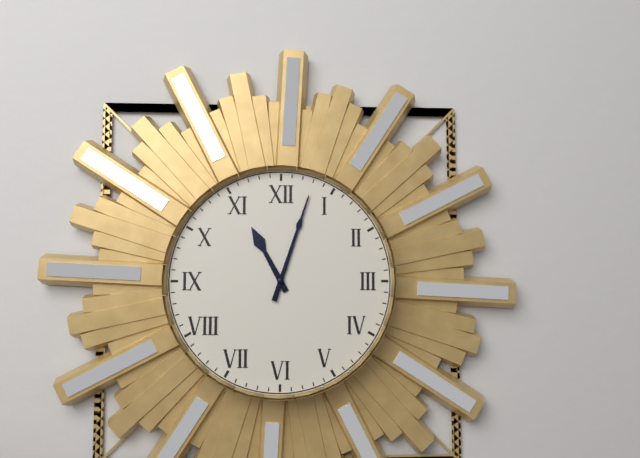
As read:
{"hour": 11, "minute": 3}
